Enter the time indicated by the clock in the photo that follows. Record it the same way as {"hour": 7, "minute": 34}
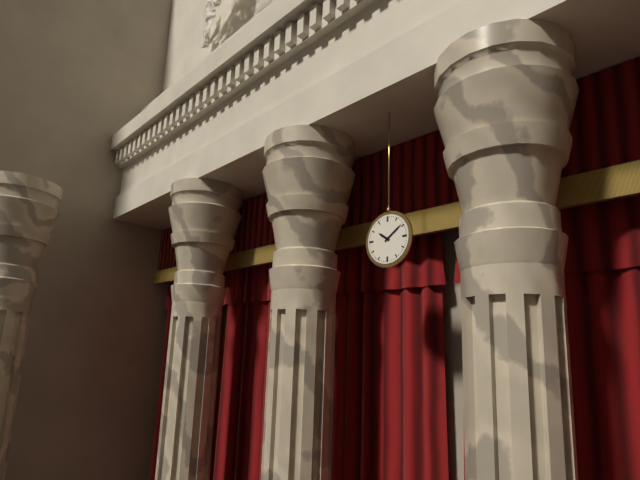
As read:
{"hour": 10, "minute": 9}
